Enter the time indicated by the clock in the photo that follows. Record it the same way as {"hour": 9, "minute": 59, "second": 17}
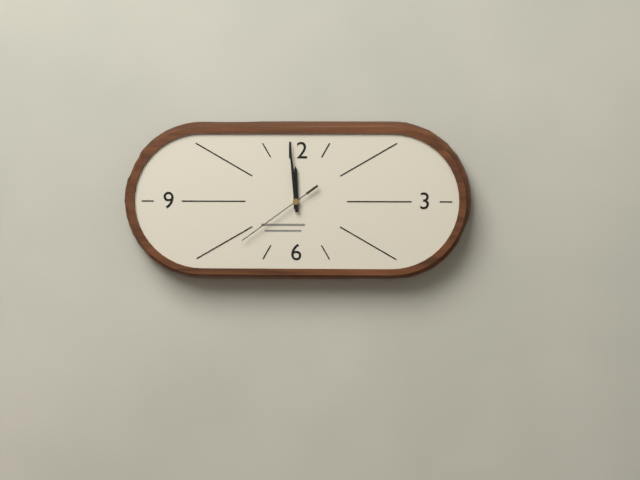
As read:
{"hour": 11, "minute": 59, "second": 39}
